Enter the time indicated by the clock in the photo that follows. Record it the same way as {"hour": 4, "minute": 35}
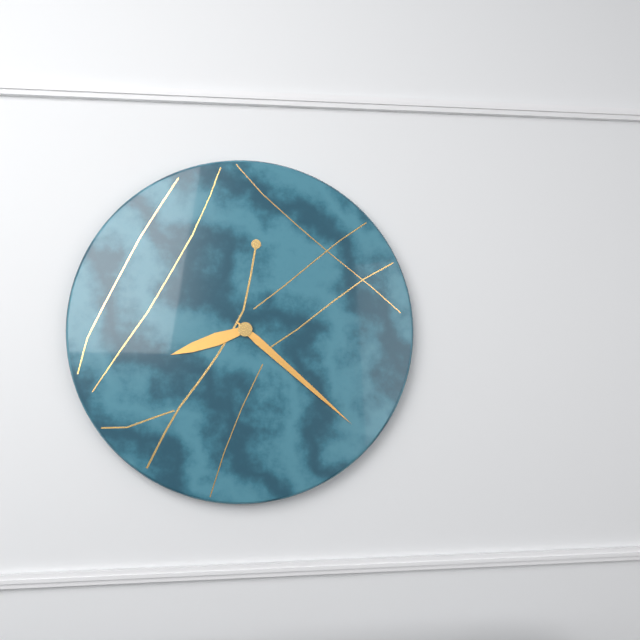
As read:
{"hour": 8, "minute": 22}
